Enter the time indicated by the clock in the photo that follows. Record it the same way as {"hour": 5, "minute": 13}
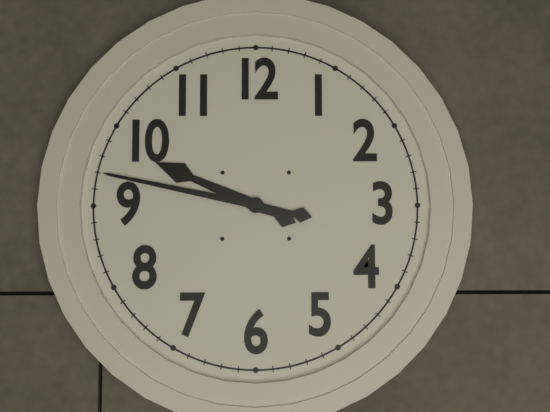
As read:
{"hour": 9, "minute": 47}
